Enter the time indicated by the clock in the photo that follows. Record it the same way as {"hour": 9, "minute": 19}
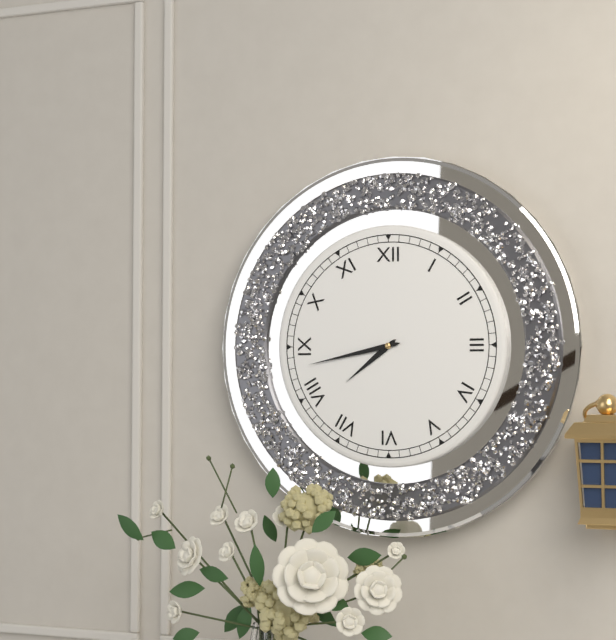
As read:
{"hour": 7, "minute": 43}
